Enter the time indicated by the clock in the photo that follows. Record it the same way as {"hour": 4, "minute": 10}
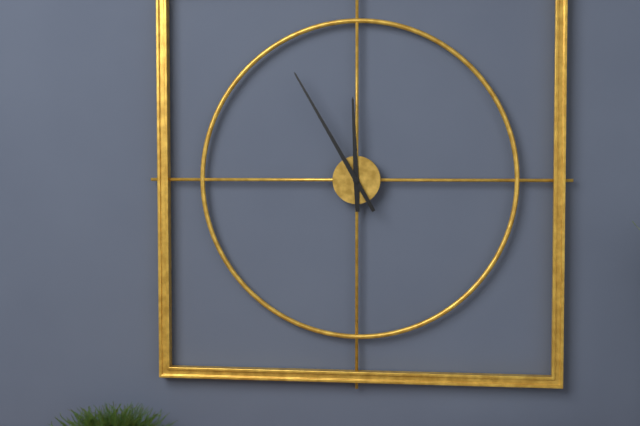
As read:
{"hour": 11, "minute": 55}
